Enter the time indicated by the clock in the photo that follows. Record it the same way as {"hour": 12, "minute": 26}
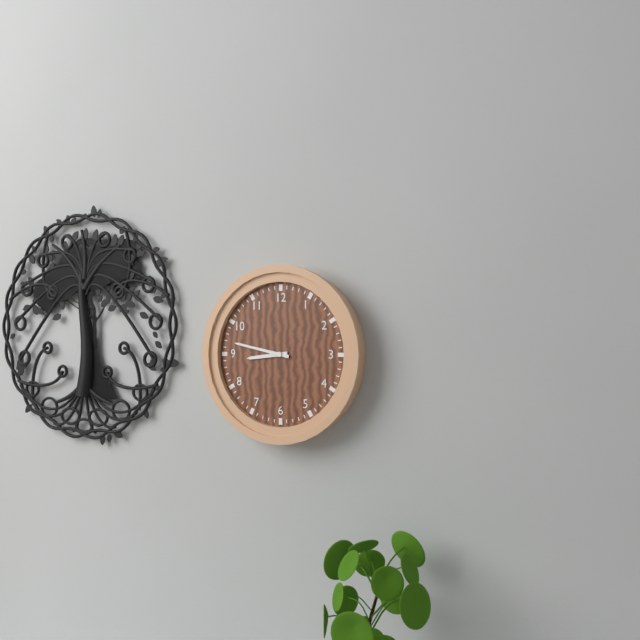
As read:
{"hour": 8, "minute": 47}
